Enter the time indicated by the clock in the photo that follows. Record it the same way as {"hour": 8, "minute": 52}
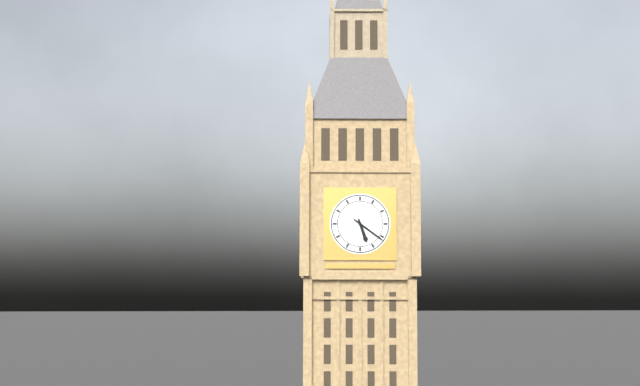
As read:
{"hour": 5, "minute": 21}
